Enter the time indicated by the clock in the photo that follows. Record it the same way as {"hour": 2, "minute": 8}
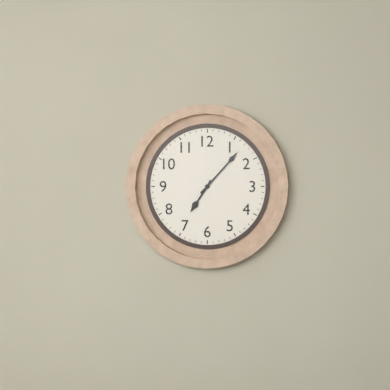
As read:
{"hour": 7, "minute": 7}
